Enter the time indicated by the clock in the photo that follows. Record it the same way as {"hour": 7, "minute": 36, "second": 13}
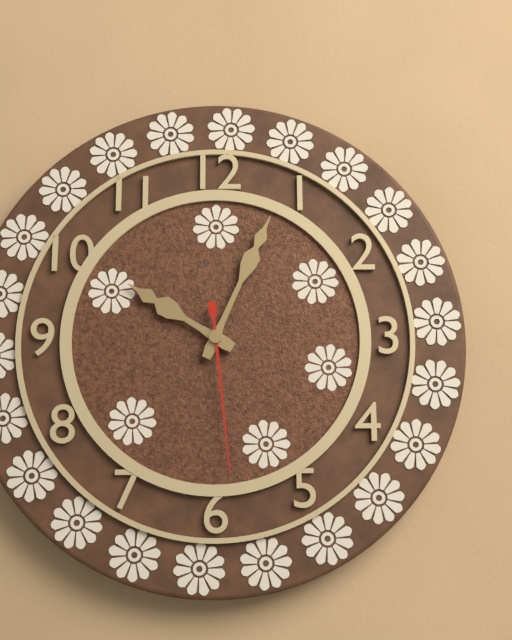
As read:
{"hour": 10, "minute": 4, "second": 29}
